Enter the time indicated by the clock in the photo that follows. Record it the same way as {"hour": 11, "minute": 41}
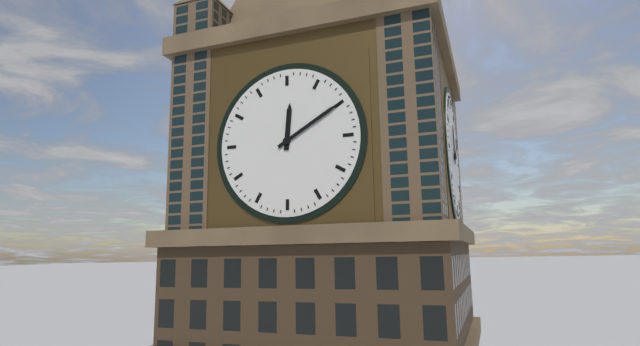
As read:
{"hour": 12, "minute": 10}
